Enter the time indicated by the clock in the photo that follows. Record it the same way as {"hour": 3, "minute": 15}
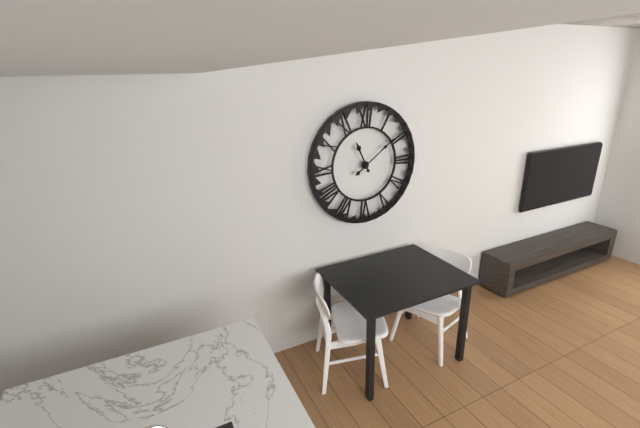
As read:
{"hour": 11, "minute": 9}
